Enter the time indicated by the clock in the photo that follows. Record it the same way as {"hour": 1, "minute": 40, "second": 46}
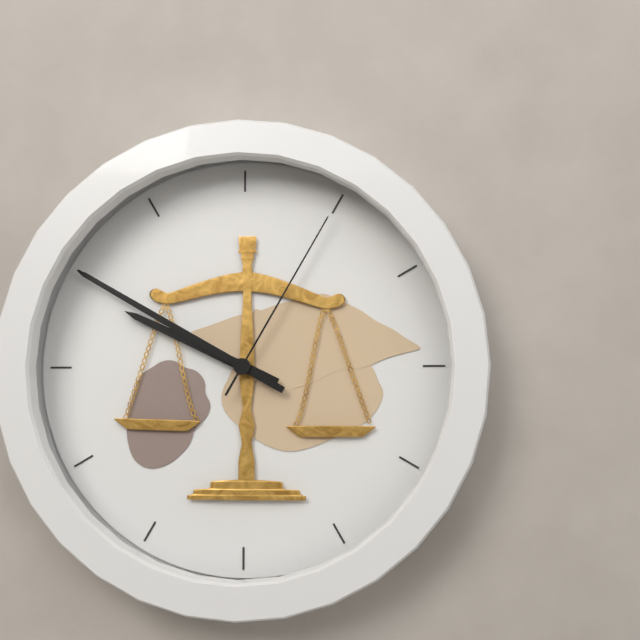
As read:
{"hour": 9, "minute": 50, "second": 5}
